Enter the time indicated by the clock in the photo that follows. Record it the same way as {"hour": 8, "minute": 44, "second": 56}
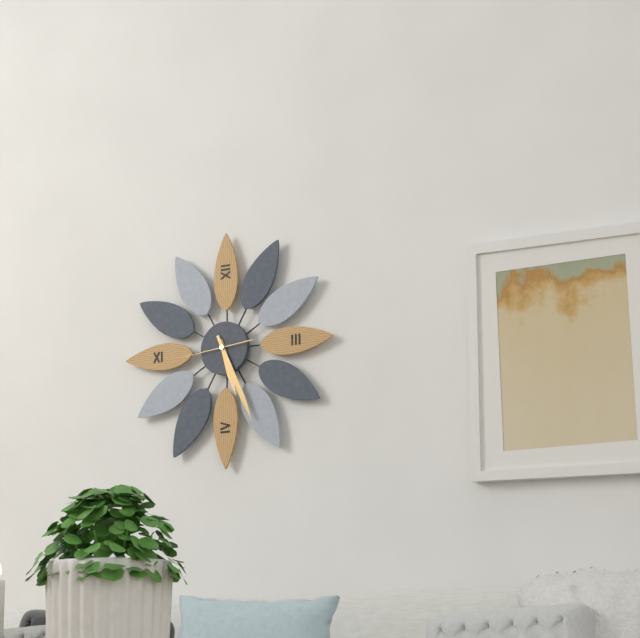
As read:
{"hour": 5, "minute": 26, "second": 44}
